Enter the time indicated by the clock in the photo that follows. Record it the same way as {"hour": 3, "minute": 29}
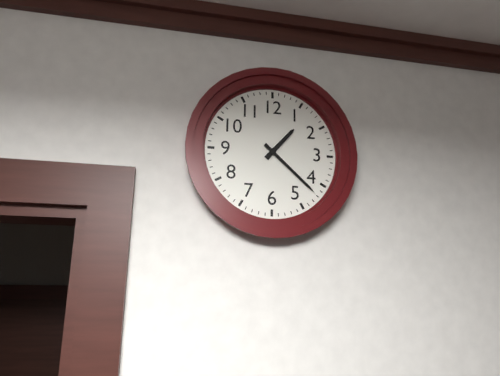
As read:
{"hour": 1, "minute": 22}
